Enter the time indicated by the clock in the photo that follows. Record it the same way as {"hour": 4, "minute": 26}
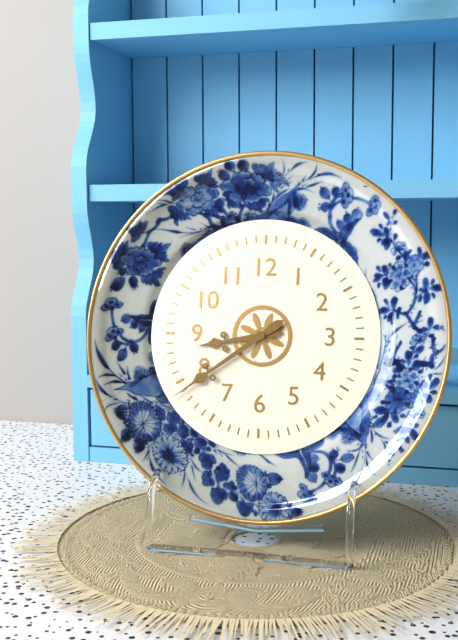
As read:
{"hour": 8, "minute": 39}
